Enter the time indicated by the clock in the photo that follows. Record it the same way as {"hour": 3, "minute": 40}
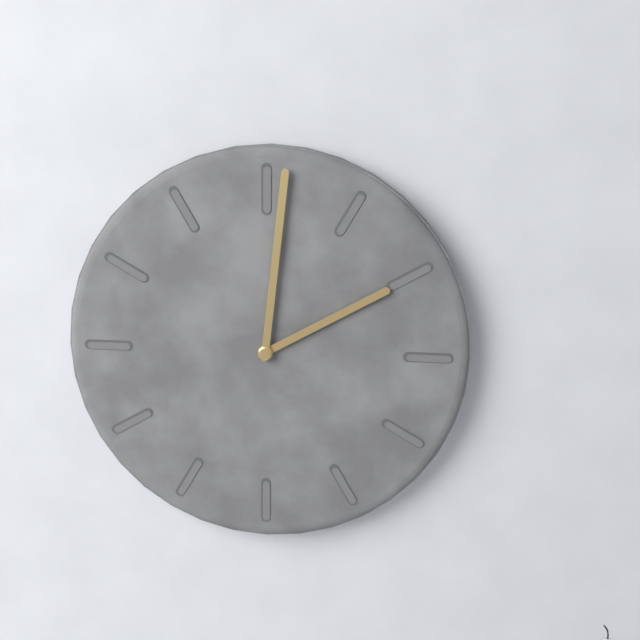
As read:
{"hour": 2, "minute": 1}
